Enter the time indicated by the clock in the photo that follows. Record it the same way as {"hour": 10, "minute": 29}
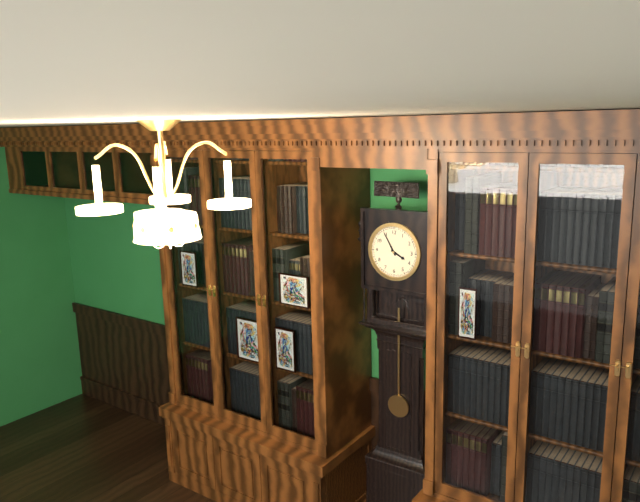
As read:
{"hour": 3, "minute": 55}
